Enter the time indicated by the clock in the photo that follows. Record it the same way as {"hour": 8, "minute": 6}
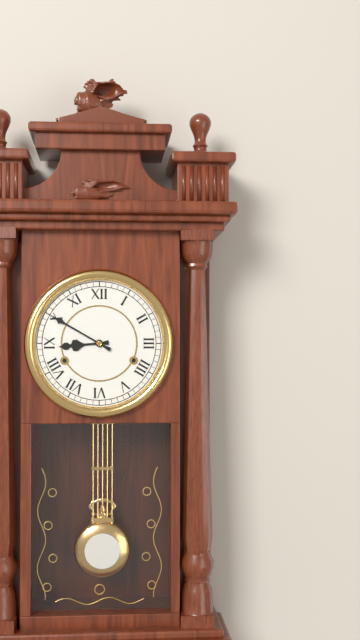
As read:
{"hour": 8, "minute": 50}
